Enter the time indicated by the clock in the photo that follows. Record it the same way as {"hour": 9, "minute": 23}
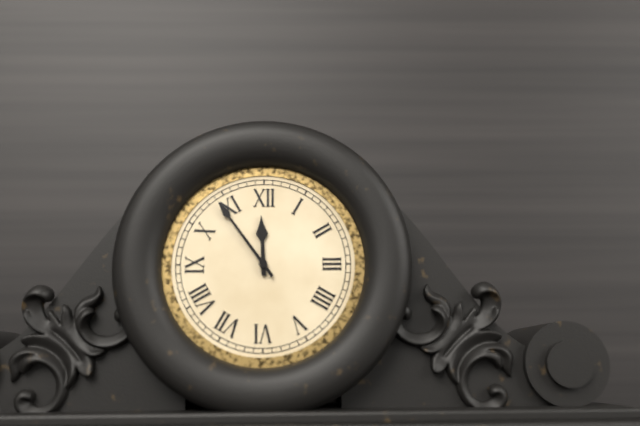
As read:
{"hour": 11, "minute": 54}
